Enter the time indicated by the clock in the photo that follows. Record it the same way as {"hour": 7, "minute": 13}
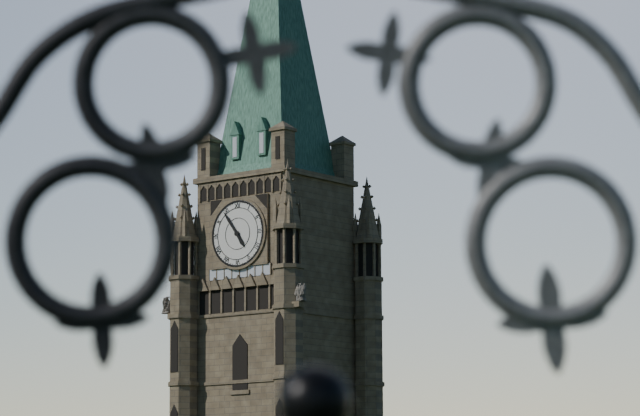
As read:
{"hour": 4, "minute": 54}
